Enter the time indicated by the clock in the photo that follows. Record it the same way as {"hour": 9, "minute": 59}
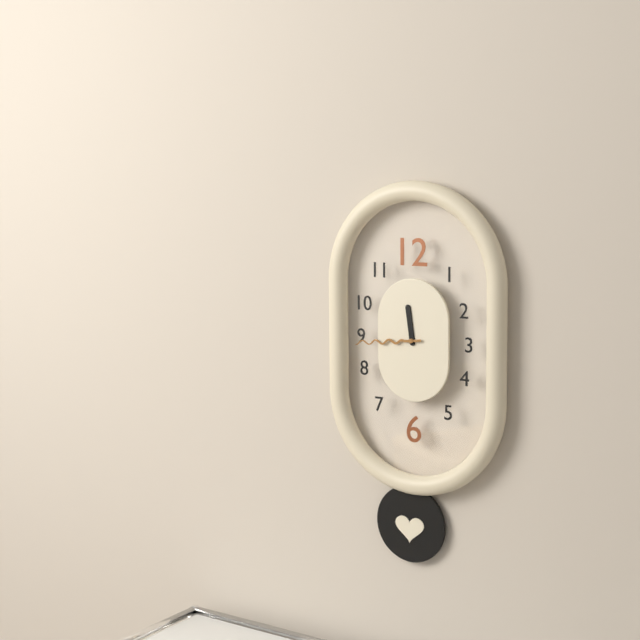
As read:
{"hour": 11, "minute": 44}
